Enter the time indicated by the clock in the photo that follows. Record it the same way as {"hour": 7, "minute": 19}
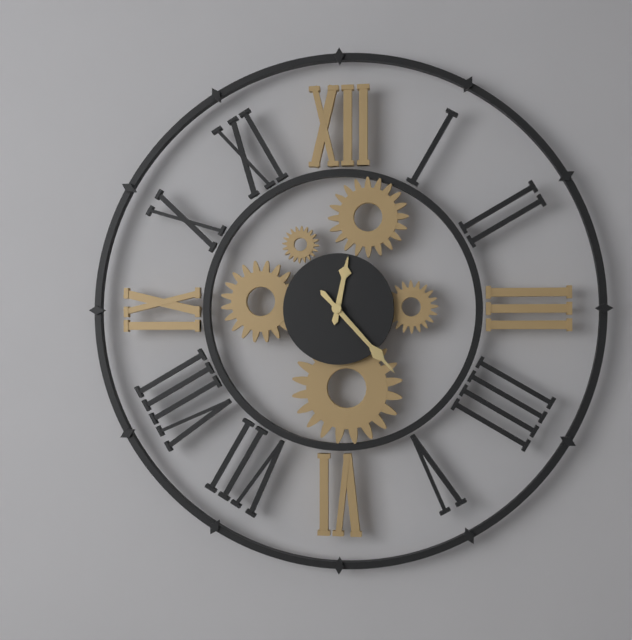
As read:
{"hour": 12, "minute": 23}
